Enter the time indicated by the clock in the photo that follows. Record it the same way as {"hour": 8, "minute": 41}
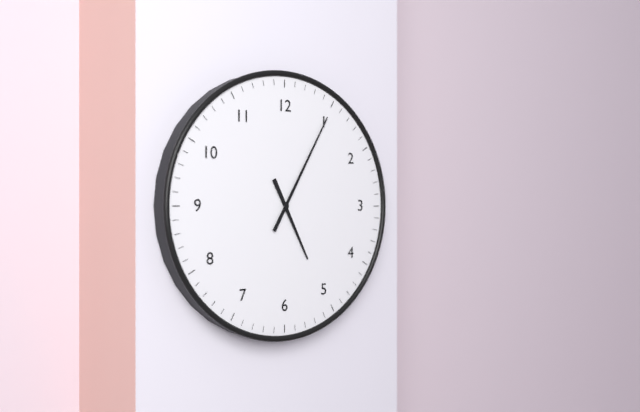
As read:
{"hour": 5, "minute": 5}
